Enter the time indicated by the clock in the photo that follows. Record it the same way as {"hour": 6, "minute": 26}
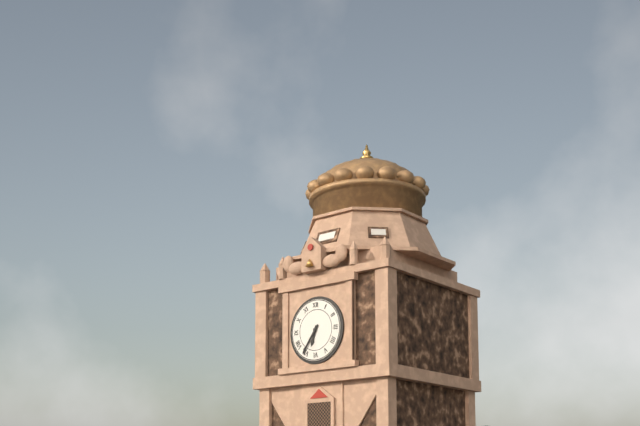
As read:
{"hour": 6, "minute": 36}
